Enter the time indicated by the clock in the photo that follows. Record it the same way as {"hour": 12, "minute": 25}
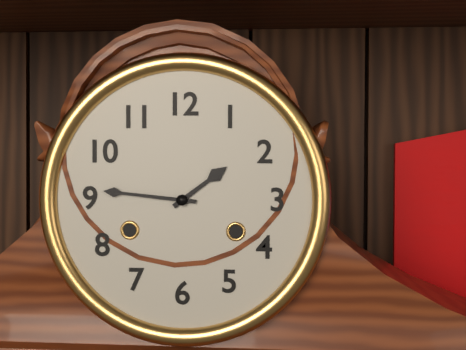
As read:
{"hour": 1, "minute": 46}
